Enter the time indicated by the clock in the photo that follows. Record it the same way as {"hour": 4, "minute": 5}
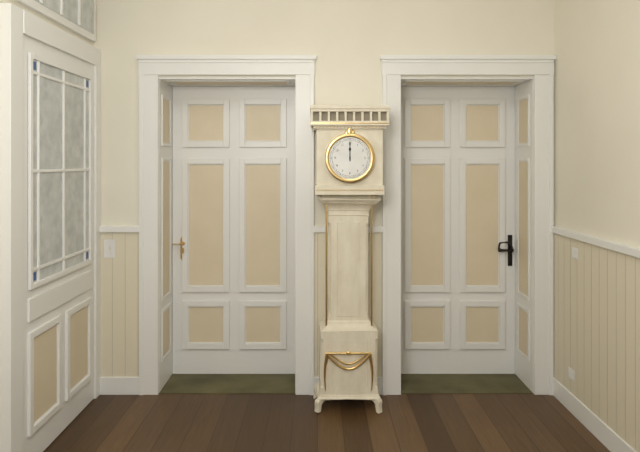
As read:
{"hour": 12, "minute": 0}
